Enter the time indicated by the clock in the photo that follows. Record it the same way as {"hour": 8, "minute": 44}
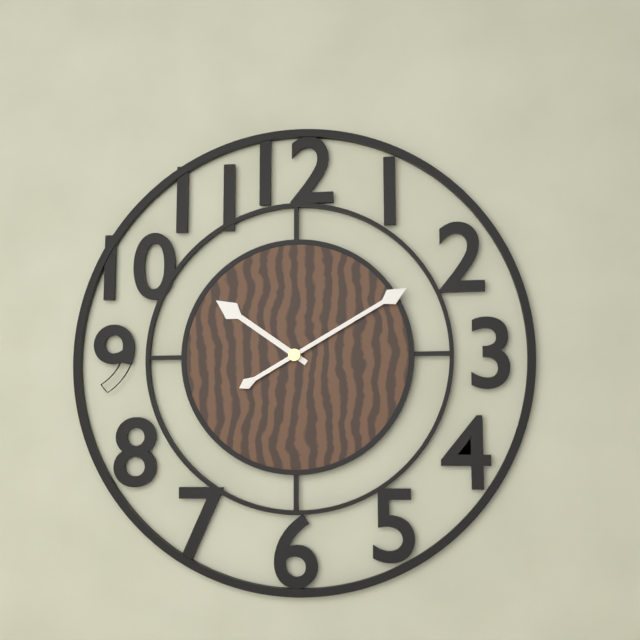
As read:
{"hour": 10, "minute": 10}
